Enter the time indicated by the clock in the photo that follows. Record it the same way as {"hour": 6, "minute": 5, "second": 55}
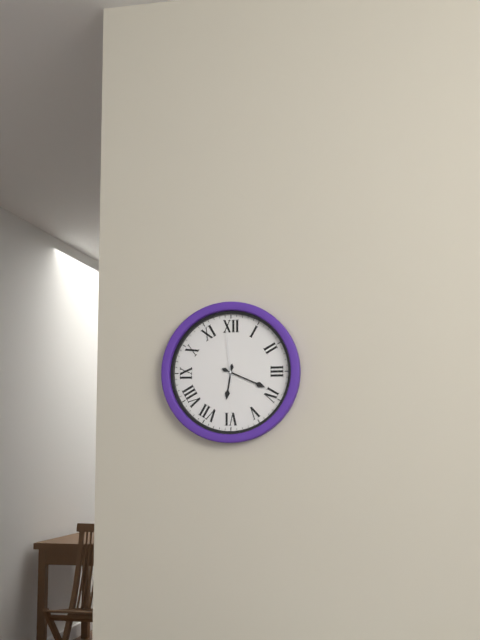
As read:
{"hour": 6, "minute": 19, "second": 59}
